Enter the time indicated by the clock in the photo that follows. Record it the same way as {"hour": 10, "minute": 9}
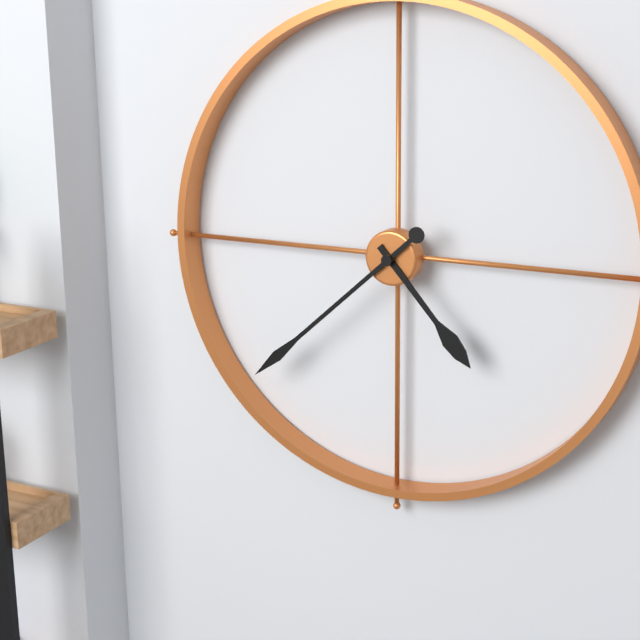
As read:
{"hour": 4, "minute": 38}
